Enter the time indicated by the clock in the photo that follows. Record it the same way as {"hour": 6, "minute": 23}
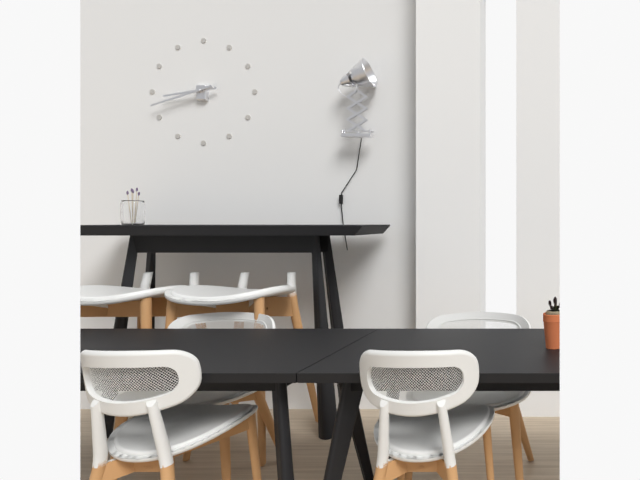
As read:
{"hour": 8, "minute": 42}
